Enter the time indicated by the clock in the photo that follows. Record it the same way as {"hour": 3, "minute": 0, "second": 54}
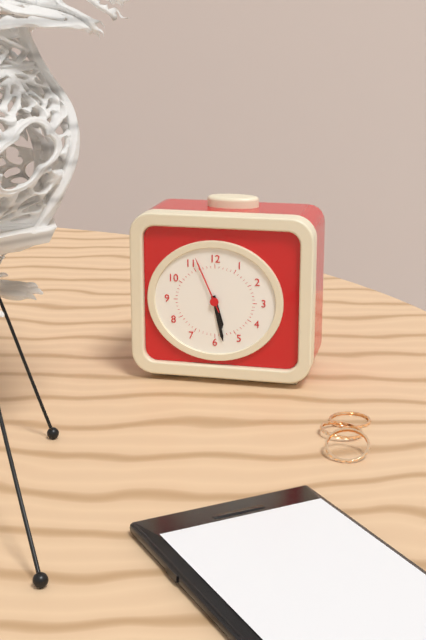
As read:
{"hour": 5, "minute": 28, "second": 56}
